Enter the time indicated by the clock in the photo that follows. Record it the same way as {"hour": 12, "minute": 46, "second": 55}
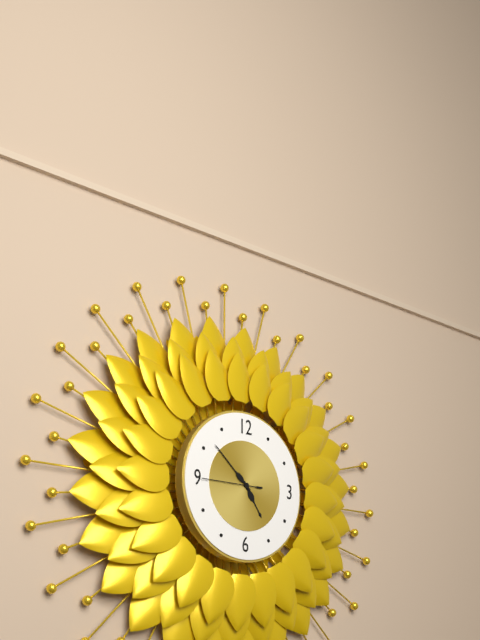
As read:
{"hour": 4, "minute": 52, "second": 45}
